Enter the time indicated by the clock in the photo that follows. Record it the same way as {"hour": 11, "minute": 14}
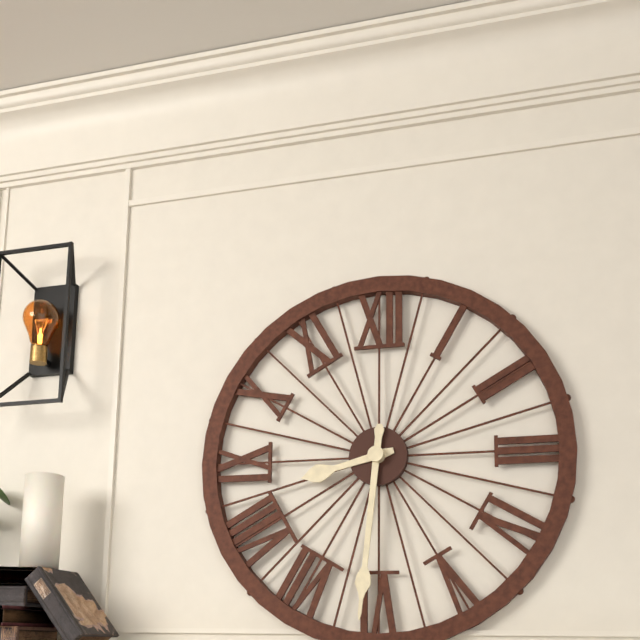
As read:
{"hour": 8, "minute": 31}
